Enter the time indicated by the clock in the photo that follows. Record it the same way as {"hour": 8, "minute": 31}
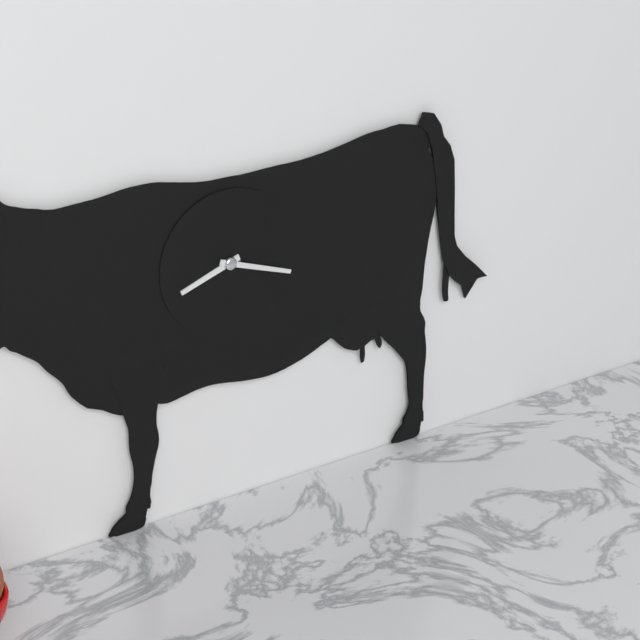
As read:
{"hour": 8, "minute": 18}
